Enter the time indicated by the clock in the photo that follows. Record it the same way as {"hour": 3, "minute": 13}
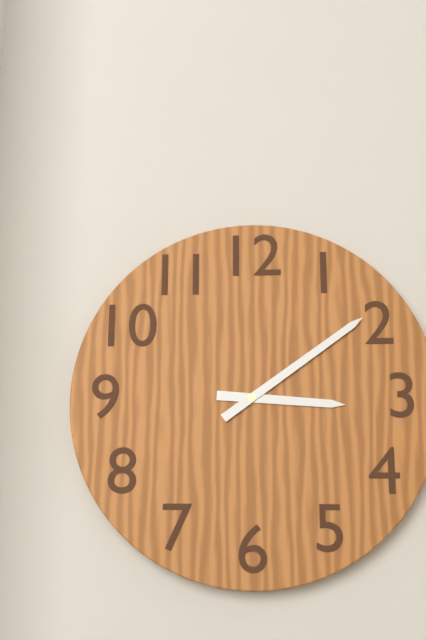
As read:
{"hour": 3, "minute": 9}
